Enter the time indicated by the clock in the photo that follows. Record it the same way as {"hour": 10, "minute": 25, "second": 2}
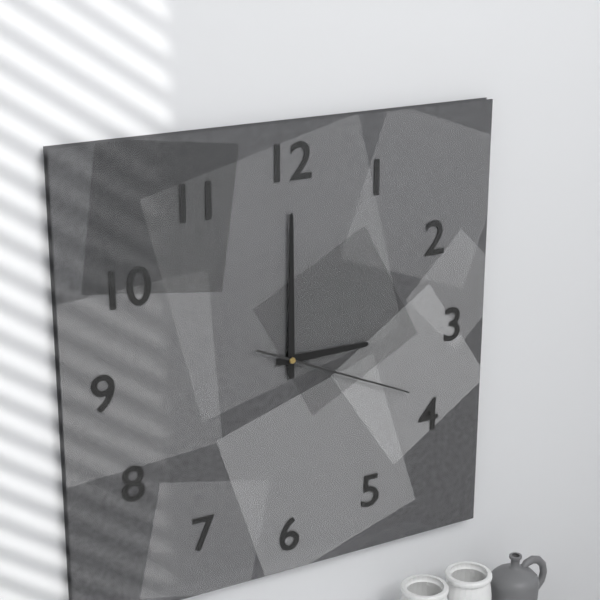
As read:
{"hour": 3, "minute": 0, "second": 19}
